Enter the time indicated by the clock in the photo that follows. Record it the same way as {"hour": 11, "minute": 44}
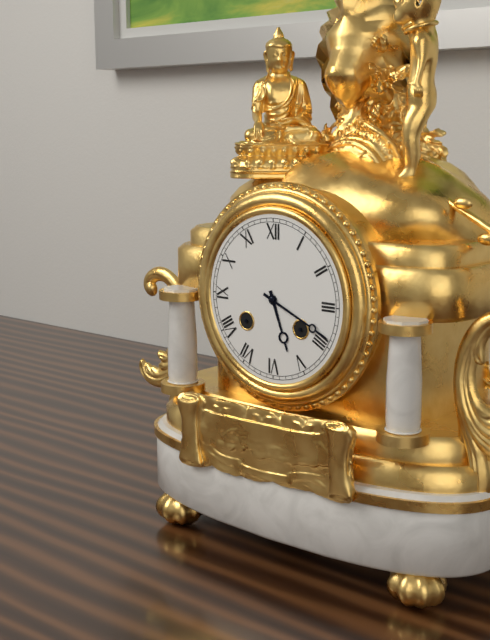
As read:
{"hour": 5, "minute": 19}
